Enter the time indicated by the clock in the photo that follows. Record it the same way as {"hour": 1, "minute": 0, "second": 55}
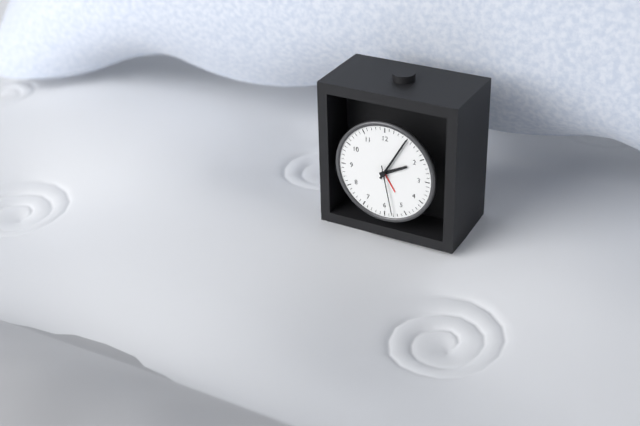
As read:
{"hour": 2, "minute": 5, "second": 28}
